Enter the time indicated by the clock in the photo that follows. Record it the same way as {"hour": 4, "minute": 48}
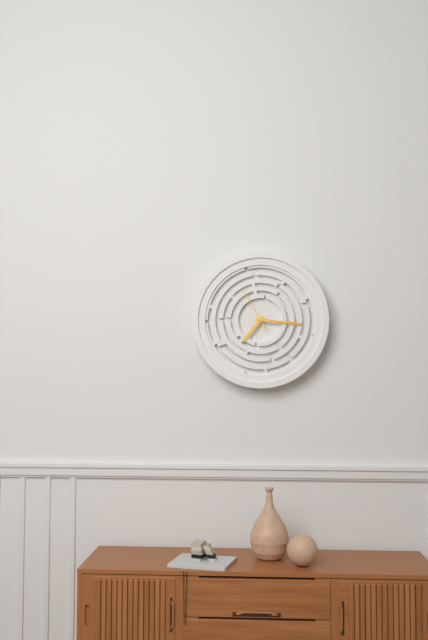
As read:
{"hour": 7, "minute": 16}
